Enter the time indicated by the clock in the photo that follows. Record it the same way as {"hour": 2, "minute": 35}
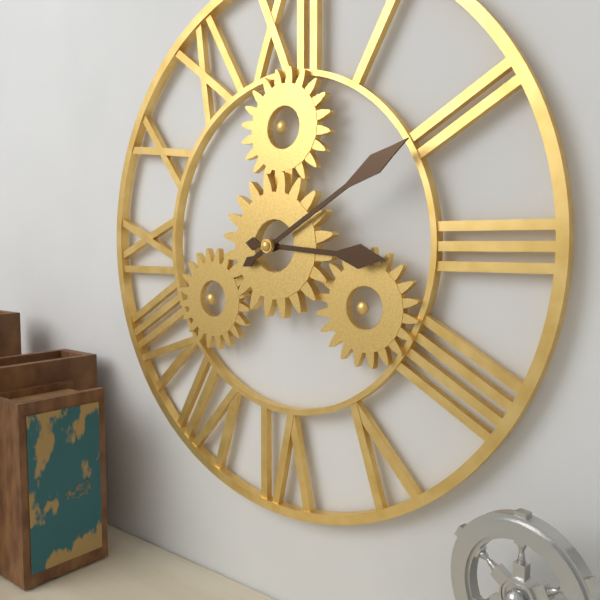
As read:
{"hour": 3, "minute": 10}
